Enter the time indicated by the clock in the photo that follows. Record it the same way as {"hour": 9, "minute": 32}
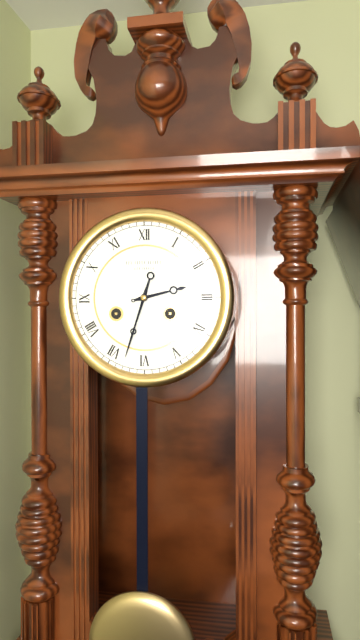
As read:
{"hour": 2, "minute": 33}
